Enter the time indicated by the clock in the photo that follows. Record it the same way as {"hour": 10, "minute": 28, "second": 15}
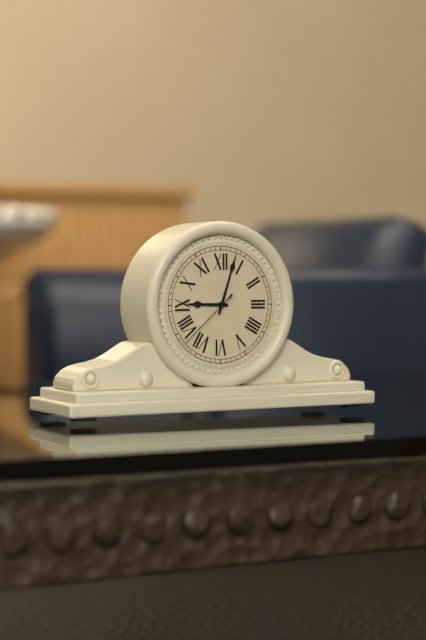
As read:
{"hour": 9, "minute": 3, "second": 38}
